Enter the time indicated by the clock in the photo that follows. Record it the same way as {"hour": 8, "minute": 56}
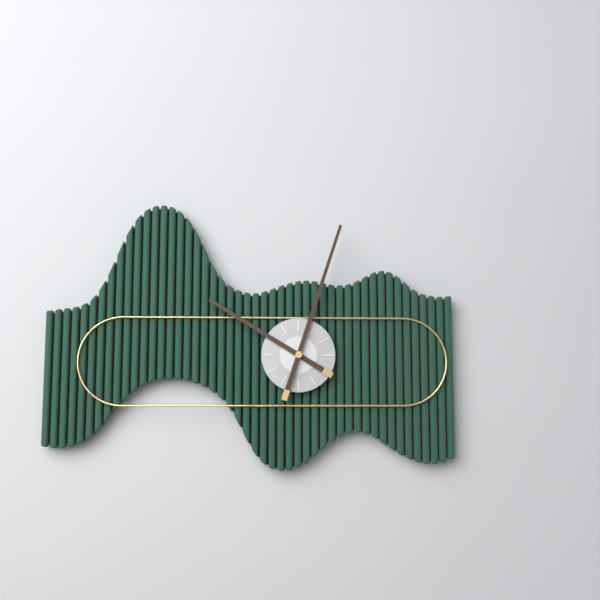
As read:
{"hour": 10, "minute": 3}
